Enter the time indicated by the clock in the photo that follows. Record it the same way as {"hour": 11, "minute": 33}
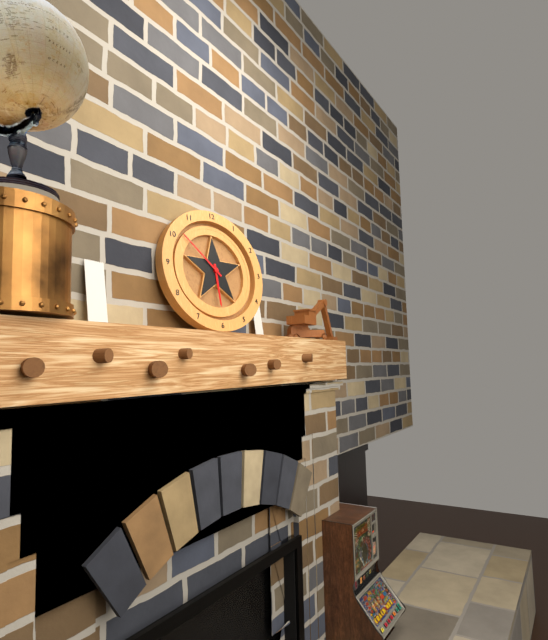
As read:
{"hour": 5, "minute": 52}
